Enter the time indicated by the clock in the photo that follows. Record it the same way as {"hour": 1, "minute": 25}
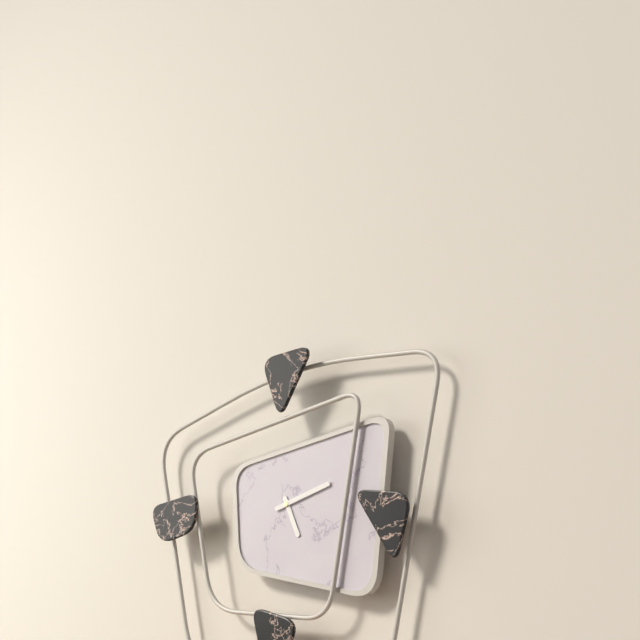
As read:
{"hour": 5, "minute": 12}
